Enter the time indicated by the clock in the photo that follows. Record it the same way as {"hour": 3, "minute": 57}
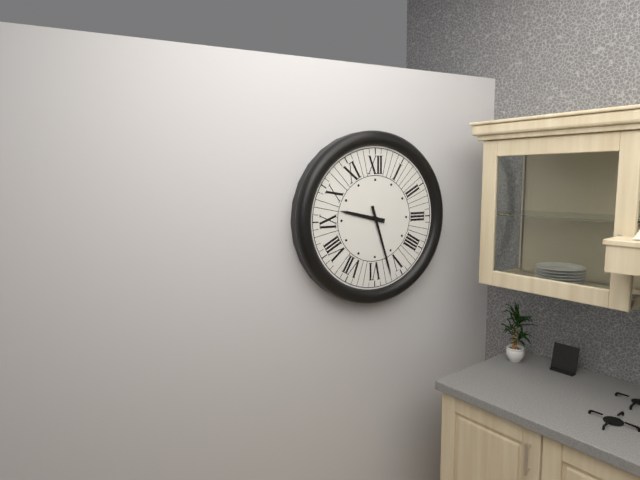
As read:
{"hour": 9, "minute": 27}
